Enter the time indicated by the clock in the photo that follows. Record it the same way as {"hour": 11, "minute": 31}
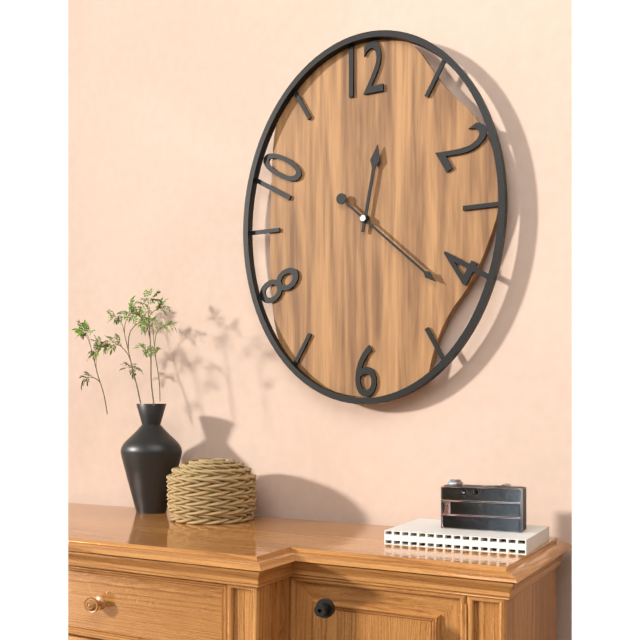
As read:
{"hour": 12, "minute": 22}
